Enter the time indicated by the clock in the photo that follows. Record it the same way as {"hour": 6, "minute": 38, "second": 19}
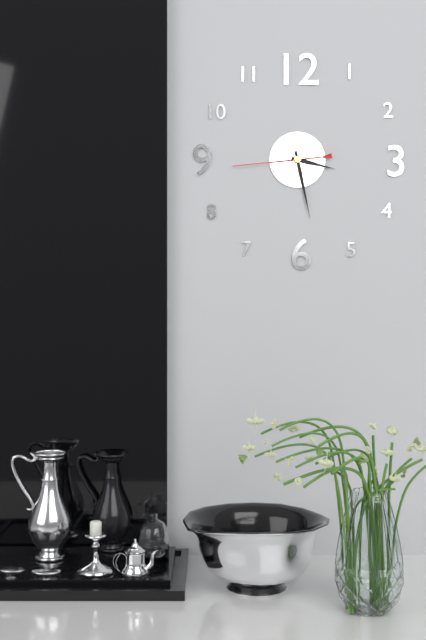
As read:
{"hour": 3, "minute": 28, "second": 44}
